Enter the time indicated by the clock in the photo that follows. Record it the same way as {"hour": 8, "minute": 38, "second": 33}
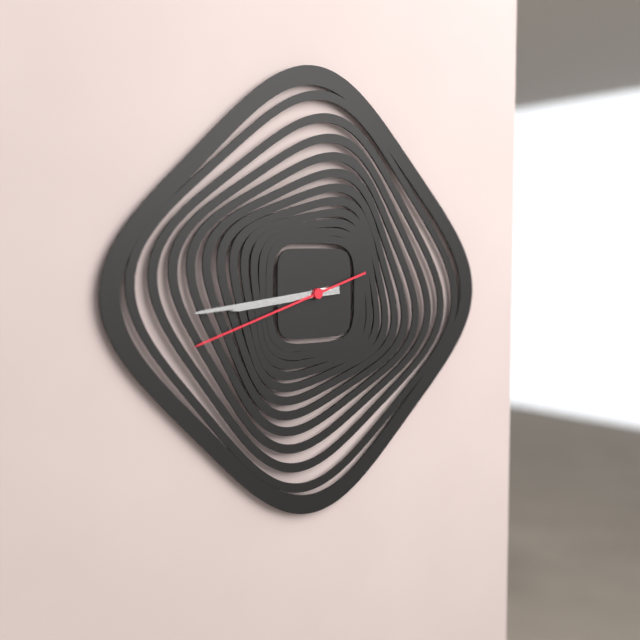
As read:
{"hour": 8, "minute": 44, "second": 42}
